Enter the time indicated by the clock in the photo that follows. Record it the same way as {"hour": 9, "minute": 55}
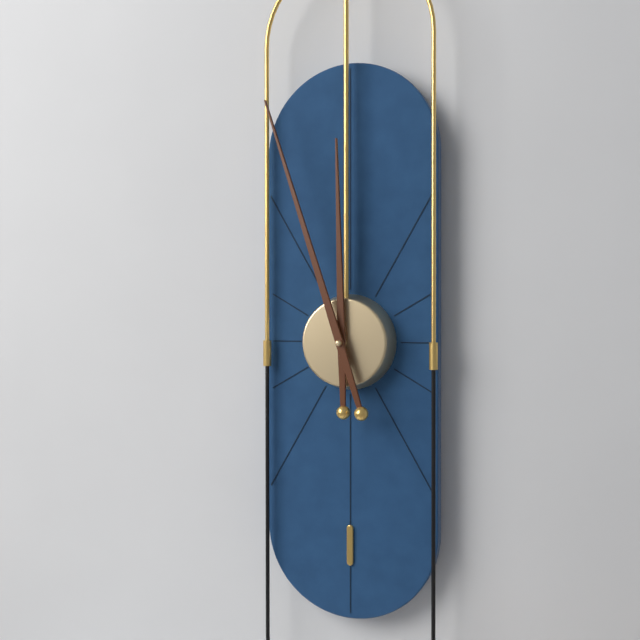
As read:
{"hour": 11, "minute": 57}
